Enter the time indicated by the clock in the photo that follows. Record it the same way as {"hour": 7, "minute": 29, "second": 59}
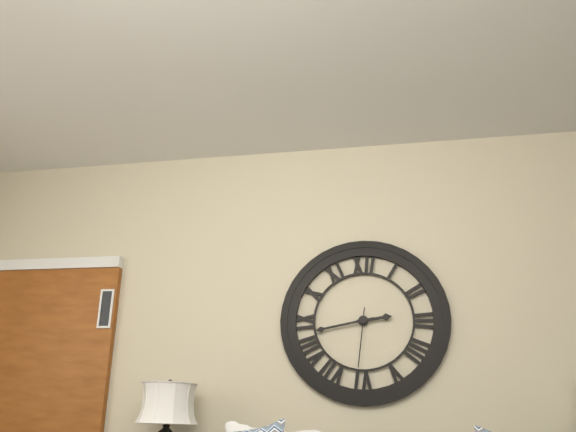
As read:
{"hour": 2, "minute": 43, "second": 31}
